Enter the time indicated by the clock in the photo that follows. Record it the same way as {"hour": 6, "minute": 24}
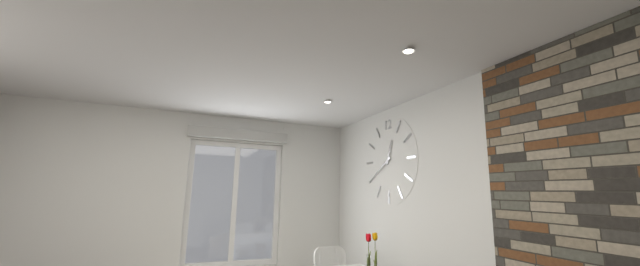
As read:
{"hour": 12, "minute": 40}
